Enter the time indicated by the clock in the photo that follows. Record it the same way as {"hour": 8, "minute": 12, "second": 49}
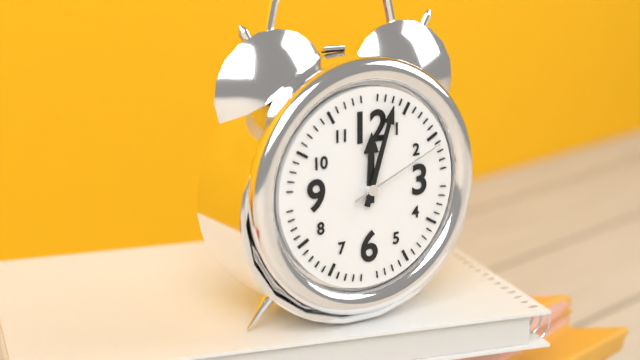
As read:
{"hour": 12, "minute": 3, "second": 11}
